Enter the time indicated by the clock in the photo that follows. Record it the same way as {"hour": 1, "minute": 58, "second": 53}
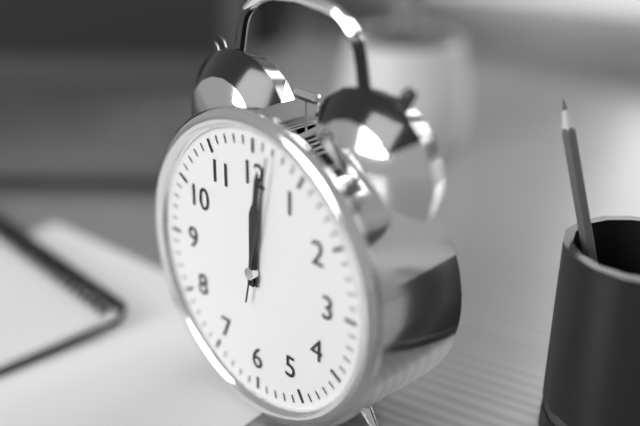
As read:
{"hour": 12, "minute": 1, "second": 2}
